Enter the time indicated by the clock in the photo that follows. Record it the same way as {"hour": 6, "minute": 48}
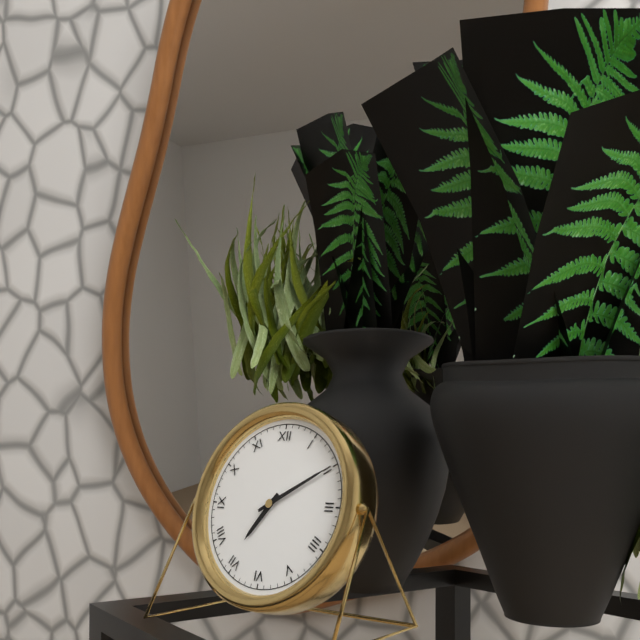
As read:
{"hour": 7, "minute": 10}
